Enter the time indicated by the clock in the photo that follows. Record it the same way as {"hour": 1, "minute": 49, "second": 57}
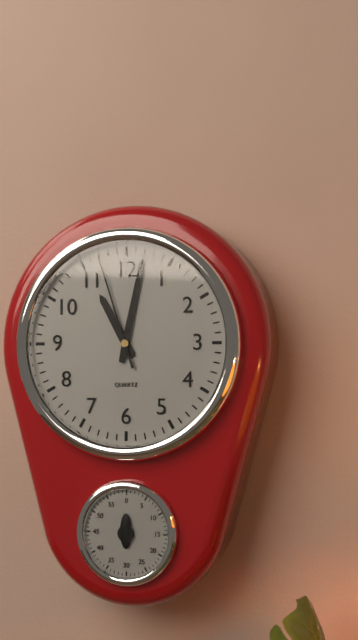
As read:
{"hour": 11, "minute": 2, "second": 57}
